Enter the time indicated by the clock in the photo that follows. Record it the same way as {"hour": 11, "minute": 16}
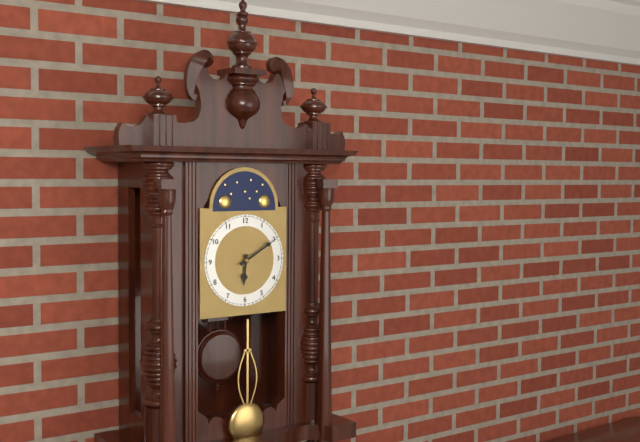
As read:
{"hour": 6, "minute": 10}
